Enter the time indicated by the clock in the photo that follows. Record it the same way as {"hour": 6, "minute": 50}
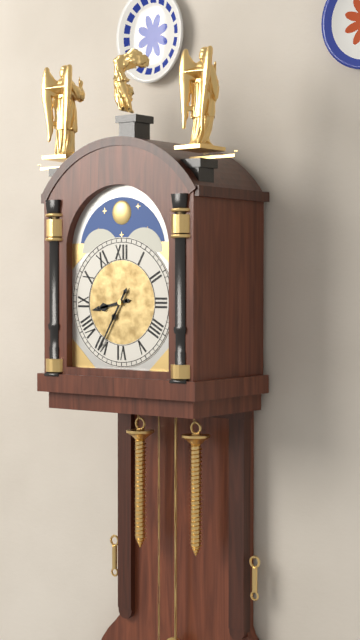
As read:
{"hour": 8, "minute": 35}
